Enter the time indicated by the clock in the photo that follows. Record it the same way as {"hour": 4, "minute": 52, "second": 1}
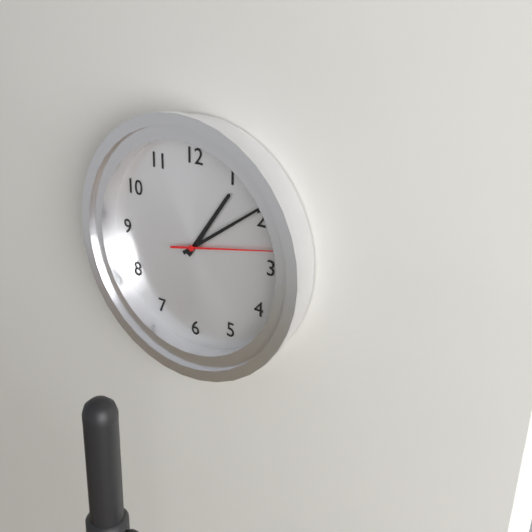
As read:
{"hour": 1, "minute": 9, "second": 13}
